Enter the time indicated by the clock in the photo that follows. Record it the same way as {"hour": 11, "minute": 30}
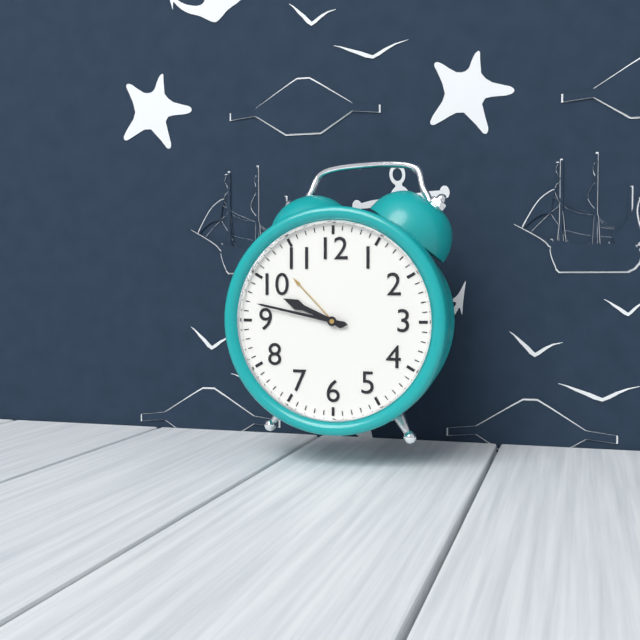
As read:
{"hour": 9, "minute": 47}
